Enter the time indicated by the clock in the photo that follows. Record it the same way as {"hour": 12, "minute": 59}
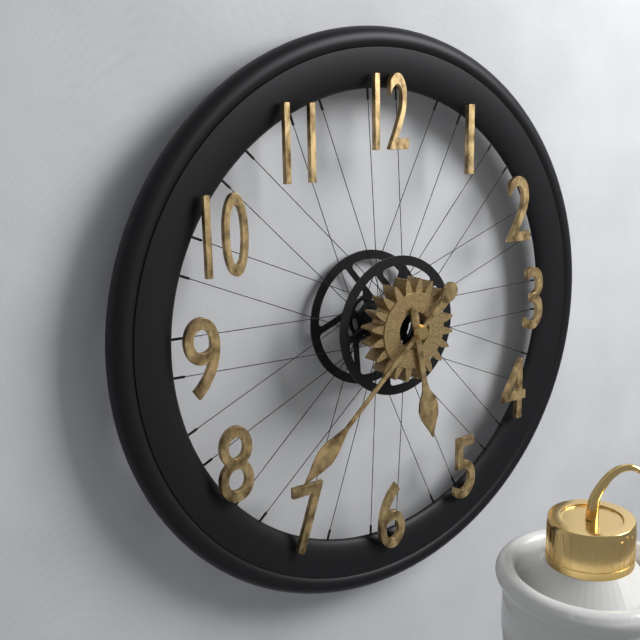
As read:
{"hour": 5, "minute": 38}
